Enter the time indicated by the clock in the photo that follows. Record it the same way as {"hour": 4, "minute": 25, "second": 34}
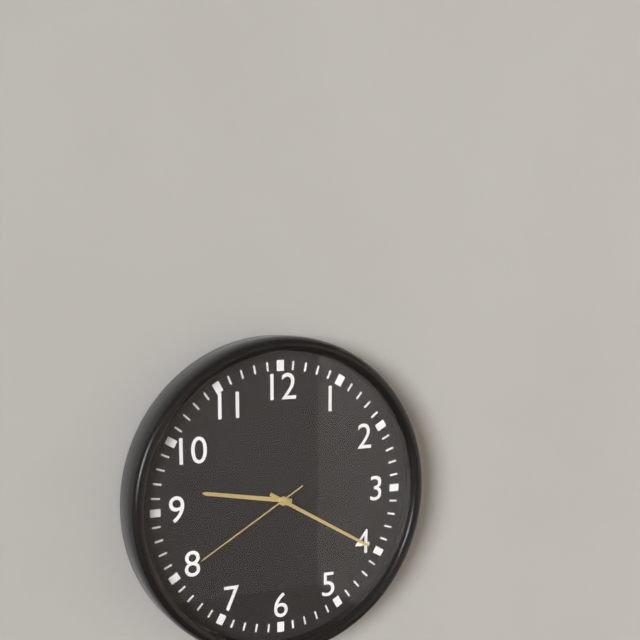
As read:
{"hour": 9, "minute": 20, "second": 40}
